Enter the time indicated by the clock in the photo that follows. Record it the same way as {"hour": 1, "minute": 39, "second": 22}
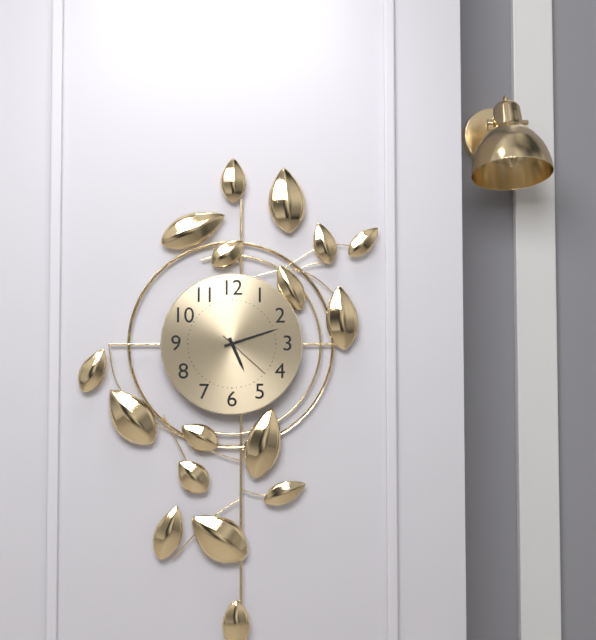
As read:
{"hour": 5, "minute": 12, "second": 22}
